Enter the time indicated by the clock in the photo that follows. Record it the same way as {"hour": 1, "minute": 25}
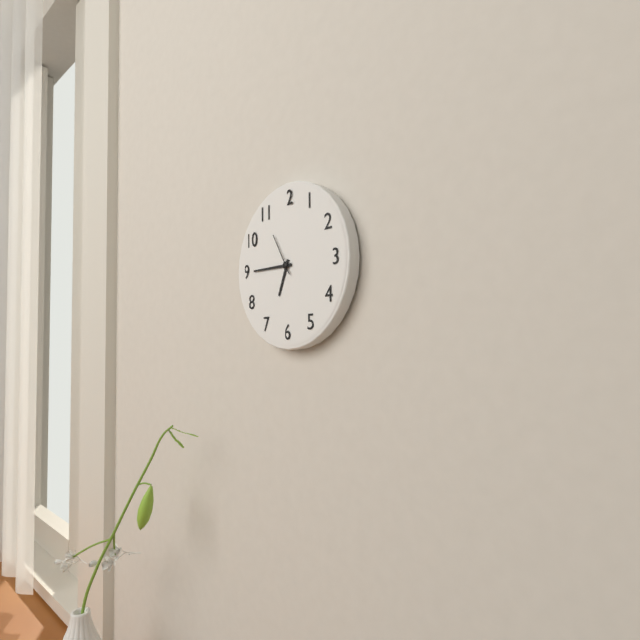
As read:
{"hour": 6, "minute": 45}
